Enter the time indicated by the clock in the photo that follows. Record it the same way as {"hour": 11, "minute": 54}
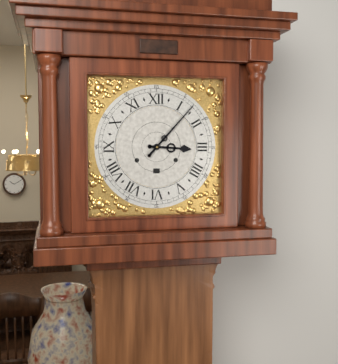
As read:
{"hour": 3, "minute": 7}
